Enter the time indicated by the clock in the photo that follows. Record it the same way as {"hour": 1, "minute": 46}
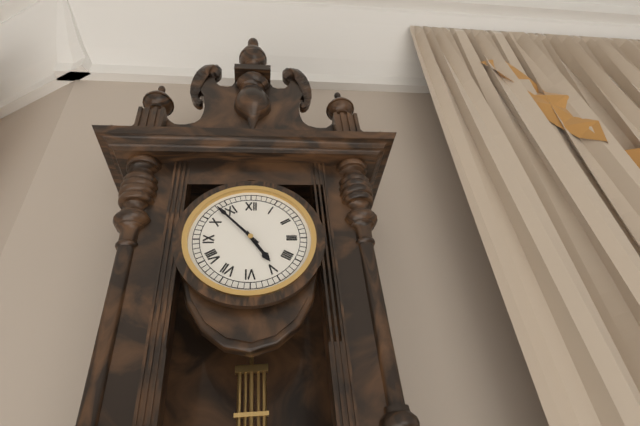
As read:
{"hour": 4, "minute": 53}
